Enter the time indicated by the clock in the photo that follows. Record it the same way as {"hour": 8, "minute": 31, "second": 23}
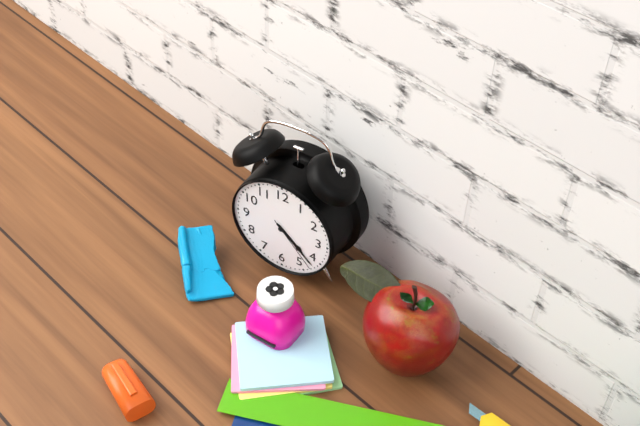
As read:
{"hour": 4, "minute": 22, "second": 23}
